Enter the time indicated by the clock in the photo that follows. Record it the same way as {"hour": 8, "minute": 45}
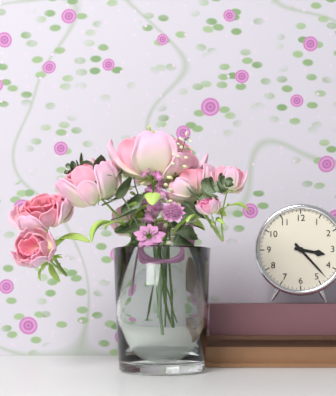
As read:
{"hour": 3, "minute": 23}
